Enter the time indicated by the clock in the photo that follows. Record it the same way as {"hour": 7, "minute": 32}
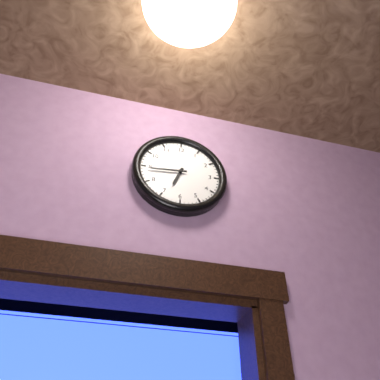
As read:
{"hour": 6, "minute": 44}
